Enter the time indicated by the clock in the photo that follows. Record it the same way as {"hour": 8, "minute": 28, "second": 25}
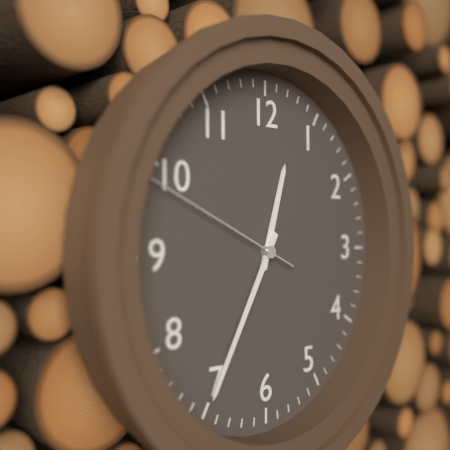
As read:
{"hour": 12, "minute": 35, "second": 49}
